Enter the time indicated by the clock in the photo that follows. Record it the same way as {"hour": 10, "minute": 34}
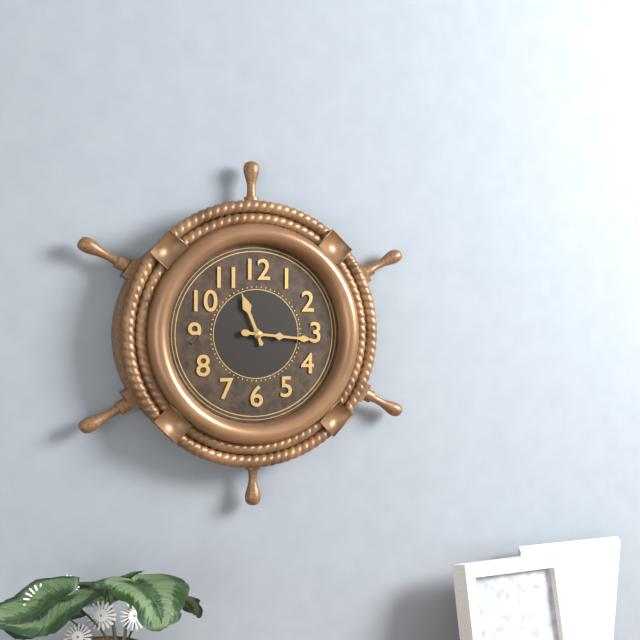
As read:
{"hour": 11, "minute": 16}
